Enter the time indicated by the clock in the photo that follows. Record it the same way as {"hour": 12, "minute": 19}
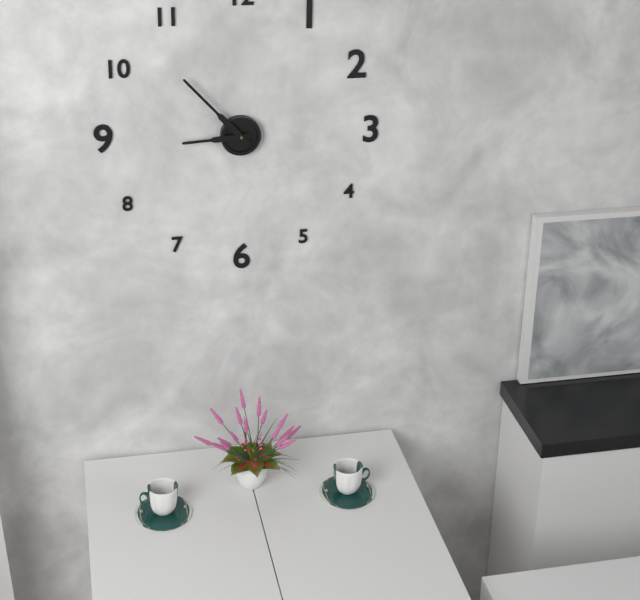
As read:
{"hour": 8, "minute": 53}
